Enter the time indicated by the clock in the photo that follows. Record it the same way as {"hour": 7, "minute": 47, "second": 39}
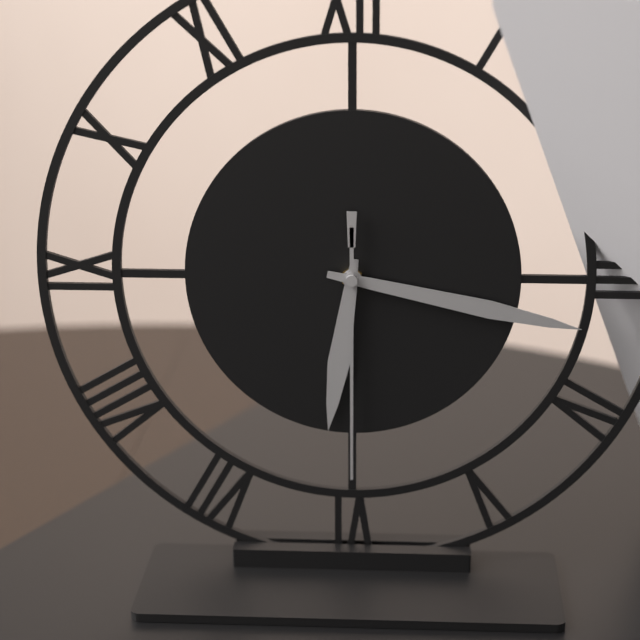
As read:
{"hour": 6, "minute": 17, "second": 30}
